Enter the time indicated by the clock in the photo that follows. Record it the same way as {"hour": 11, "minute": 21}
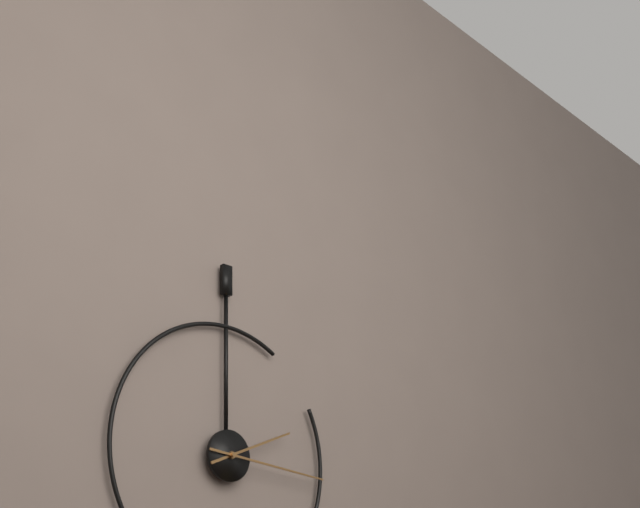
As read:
{"hour": 2, "minute": 16}
